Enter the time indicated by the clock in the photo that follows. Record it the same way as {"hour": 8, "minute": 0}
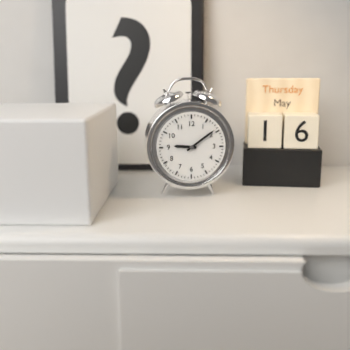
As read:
{"hour": 9, "minute": 9}
